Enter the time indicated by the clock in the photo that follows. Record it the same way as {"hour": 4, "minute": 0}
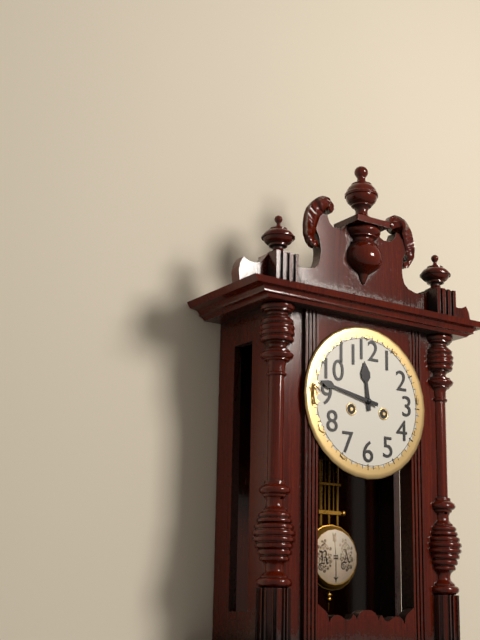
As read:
{"hour": 11, "minute": 47}
